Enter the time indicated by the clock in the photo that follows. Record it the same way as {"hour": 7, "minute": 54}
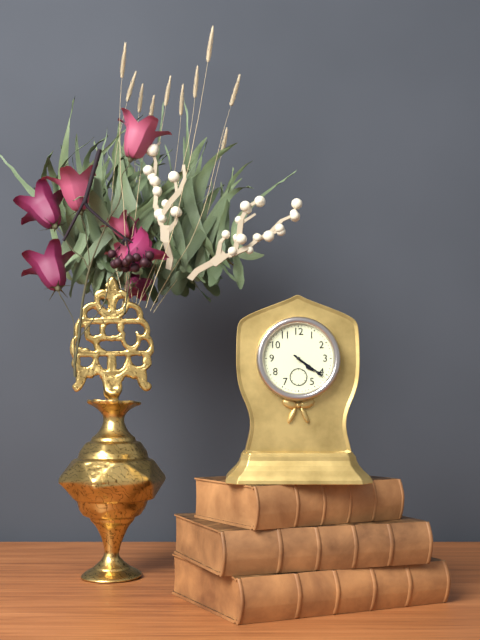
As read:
{"hour": 4, "minute": 21}
